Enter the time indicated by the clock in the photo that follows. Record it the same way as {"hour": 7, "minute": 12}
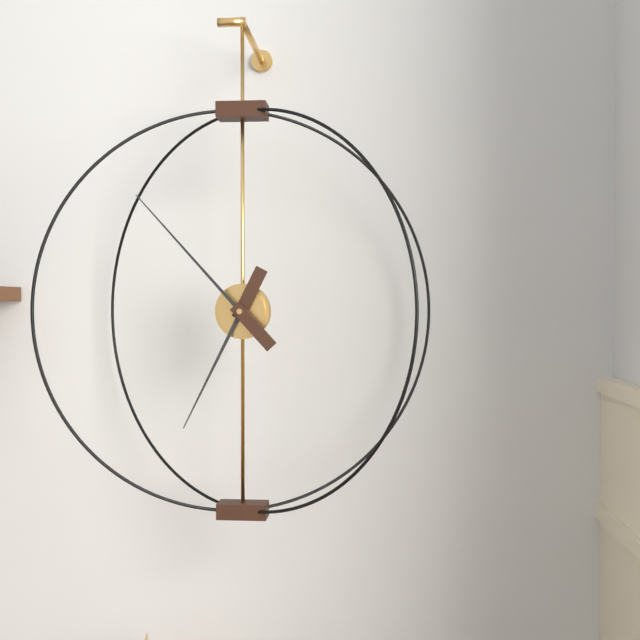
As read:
{"hour": 6, "minute": 53}
